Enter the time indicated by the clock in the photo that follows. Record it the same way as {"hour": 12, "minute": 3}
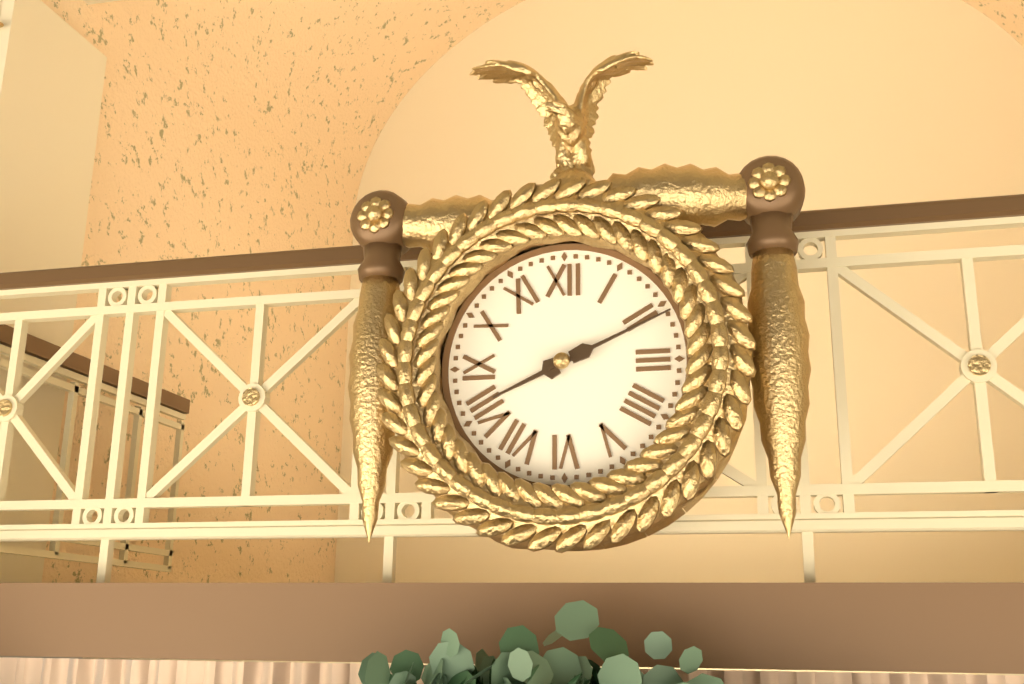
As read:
{"hour": 8, "minute": 11}
